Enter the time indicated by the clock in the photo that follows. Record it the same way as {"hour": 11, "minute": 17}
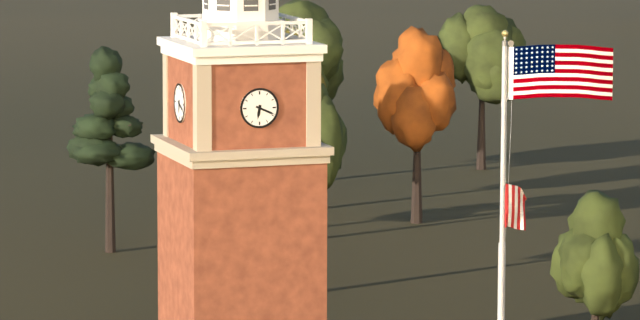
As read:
{"hour": 6, "minute": 19}
